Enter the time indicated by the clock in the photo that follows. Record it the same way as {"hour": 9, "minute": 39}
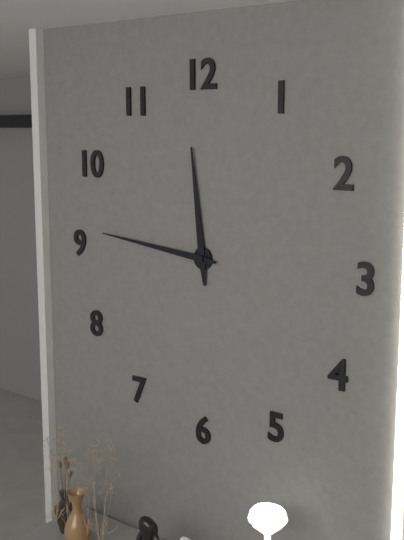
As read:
{"hour": 11, "minute": 46}
